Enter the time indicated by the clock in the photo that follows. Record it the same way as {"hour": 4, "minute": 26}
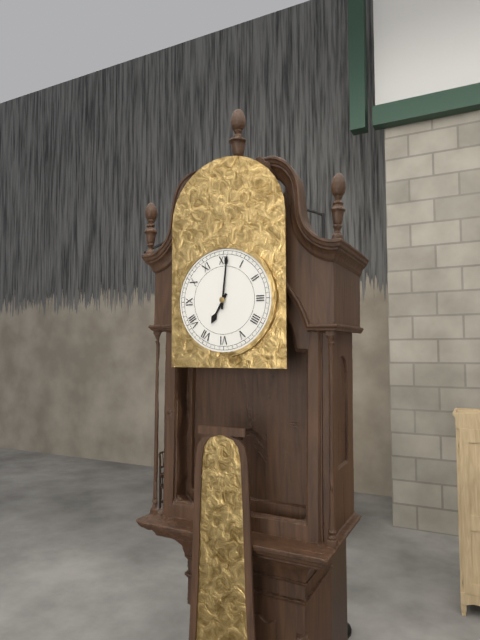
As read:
{"hour": 7, "minute": 1}
